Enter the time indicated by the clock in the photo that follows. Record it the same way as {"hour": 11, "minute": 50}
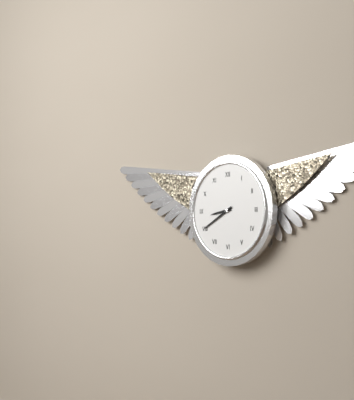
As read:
{"hour": 8, "minute": 40}
